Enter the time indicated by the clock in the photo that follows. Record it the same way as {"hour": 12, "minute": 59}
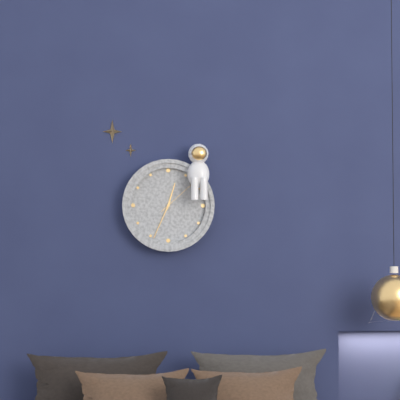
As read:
{"hour": 12, "minute": 34}
